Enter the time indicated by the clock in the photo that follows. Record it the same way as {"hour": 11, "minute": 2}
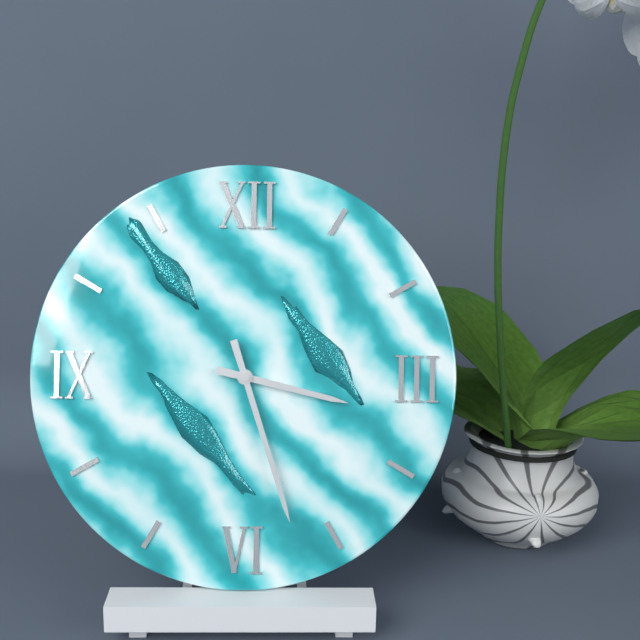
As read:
{"hour": 3, "minute": 27}
